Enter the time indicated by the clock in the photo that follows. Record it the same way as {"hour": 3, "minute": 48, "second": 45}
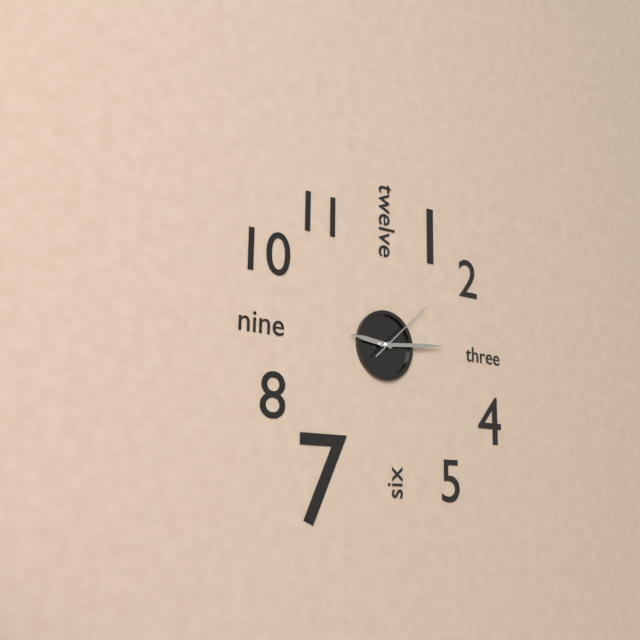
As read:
{"hour": 9, "minute": 14, "second": 8}
